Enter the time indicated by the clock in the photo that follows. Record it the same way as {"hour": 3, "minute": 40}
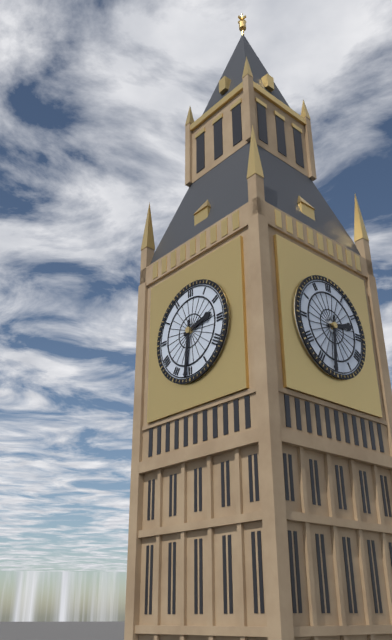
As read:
{"hour": 2, "minute": 31}
